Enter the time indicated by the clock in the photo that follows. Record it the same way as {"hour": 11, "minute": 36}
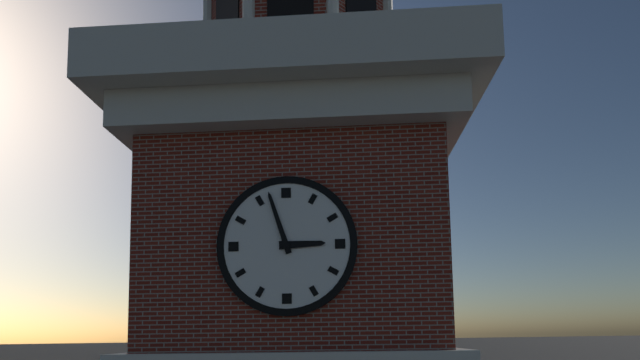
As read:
{"hour": 2, "minute": 57}
